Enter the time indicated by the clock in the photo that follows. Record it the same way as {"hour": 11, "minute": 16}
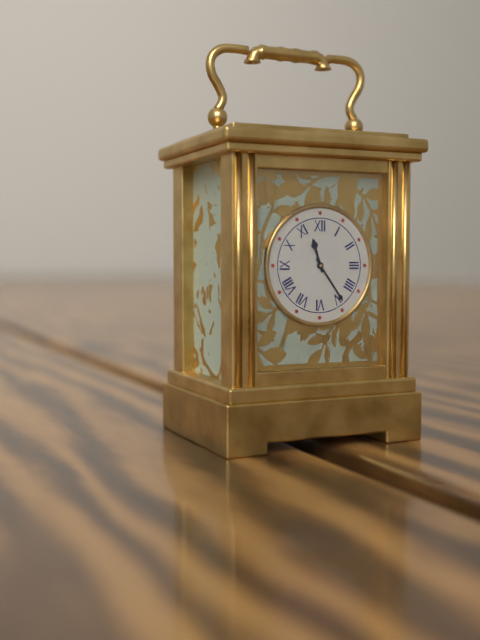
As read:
{"hour": 11, "minute": 24}
